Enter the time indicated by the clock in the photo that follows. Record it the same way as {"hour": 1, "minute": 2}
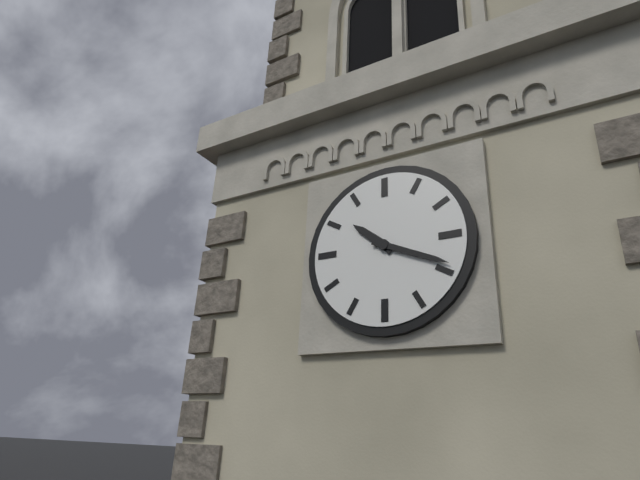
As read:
{"hour": 10, "minute": 19}
